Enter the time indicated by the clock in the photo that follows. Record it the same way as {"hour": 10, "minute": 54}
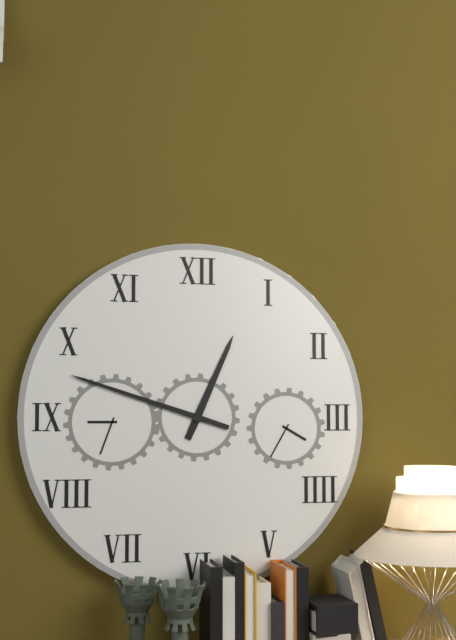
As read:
{"hour": 12, "minute": 48}
